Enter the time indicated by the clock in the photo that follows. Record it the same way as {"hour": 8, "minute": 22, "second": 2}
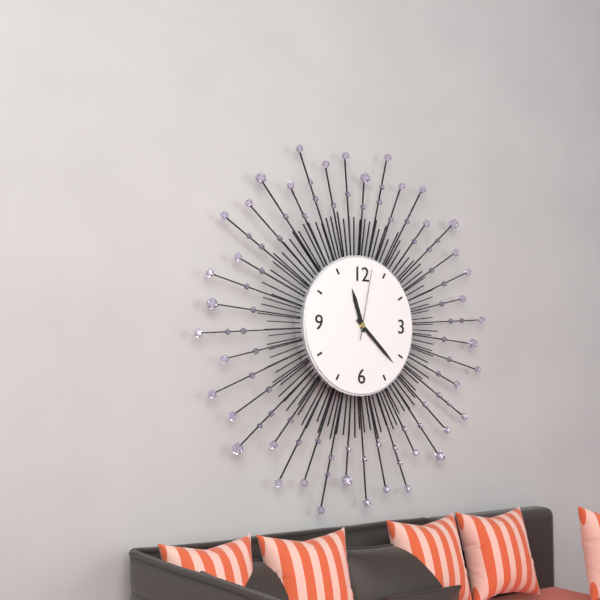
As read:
{"hour": 11, "minute": 22, "second": 2}
